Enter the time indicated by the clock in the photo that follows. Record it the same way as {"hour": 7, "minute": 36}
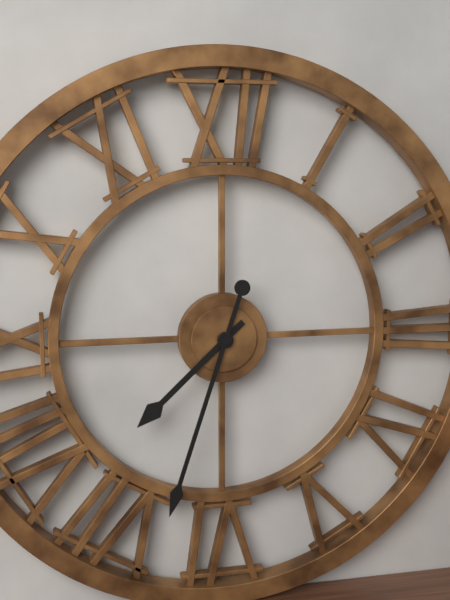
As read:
{"hour": 7, "minute": 33}
